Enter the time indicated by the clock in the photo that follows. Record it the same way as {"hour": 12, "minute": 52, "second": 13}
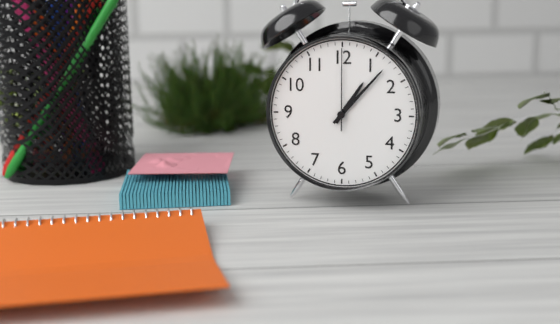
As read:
{"hour": 1, "minute": 7, "second": 0}
